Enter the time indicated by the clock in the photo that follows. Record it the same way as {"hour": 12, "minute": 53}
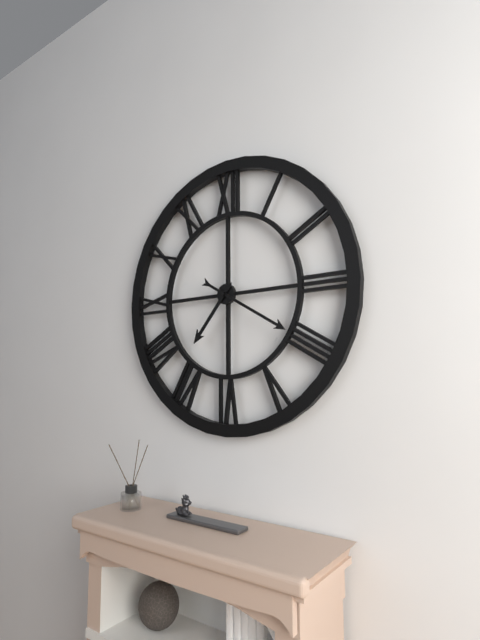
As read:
{"hour": 7, "minute": 20}
